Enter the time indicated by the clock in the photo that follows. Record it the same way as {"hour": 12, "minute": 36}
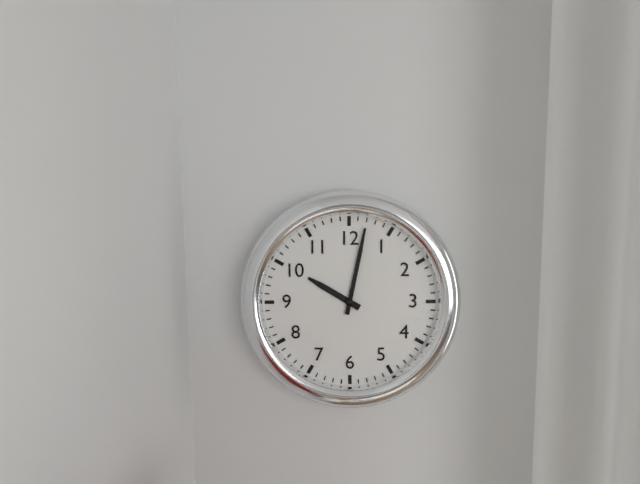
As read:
{"hour": 10, "minute": 2}
